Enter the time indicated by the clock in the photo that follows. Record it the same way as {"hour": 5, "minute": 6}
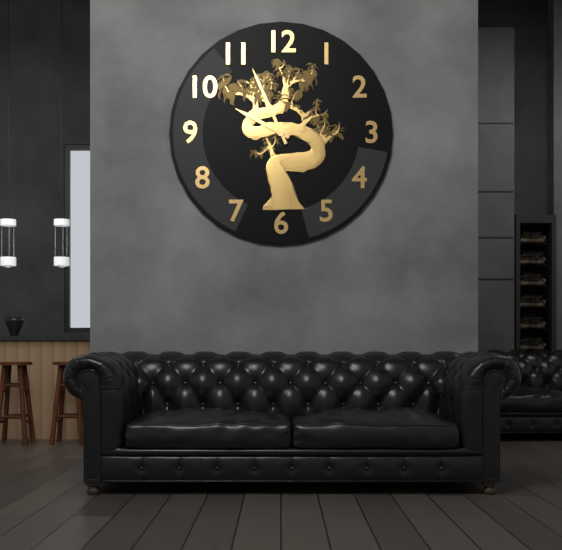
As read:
{"hour": 9, "minute": 56}
